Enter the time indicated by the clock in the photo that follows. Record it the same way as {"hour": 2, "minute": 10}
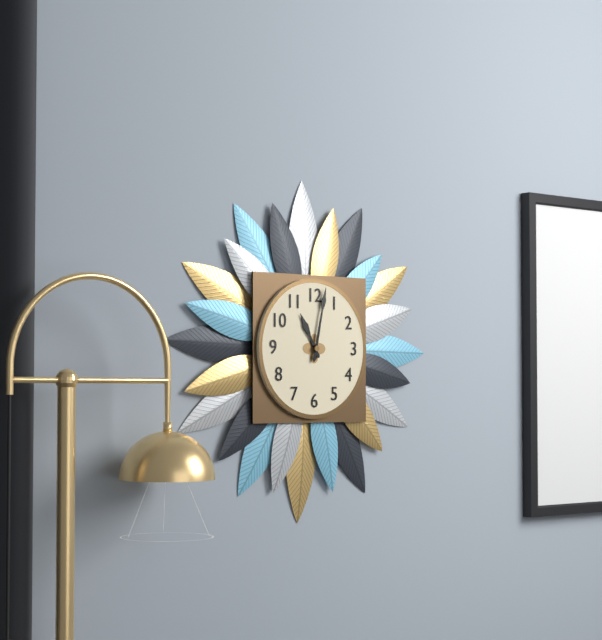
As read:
{"hour": 11, "minute": 2}
